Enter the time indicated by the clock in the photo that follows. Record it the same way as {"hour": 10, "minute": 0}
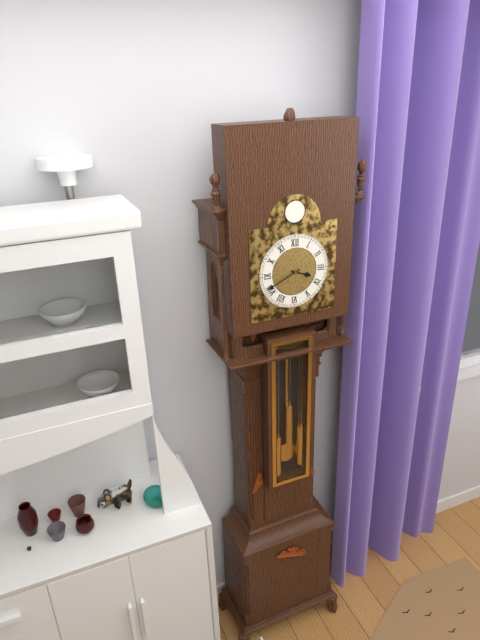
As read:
{"hour": 3, "minute": 41}
